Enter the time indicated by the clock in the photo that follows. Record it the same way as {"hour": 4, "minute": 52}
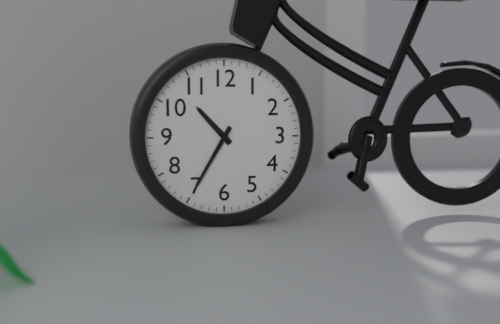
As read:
{"hour": 10, "minute": 35}
